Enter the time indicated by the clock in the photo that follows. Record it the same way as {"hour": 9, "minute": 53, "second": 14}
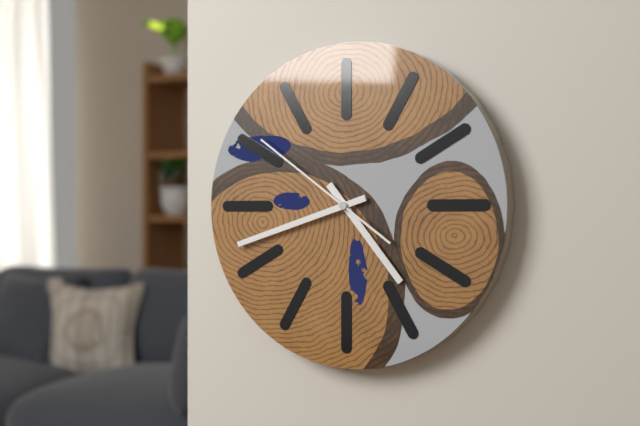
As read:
{"hour": 4, "minute": 42, "second": 51}
